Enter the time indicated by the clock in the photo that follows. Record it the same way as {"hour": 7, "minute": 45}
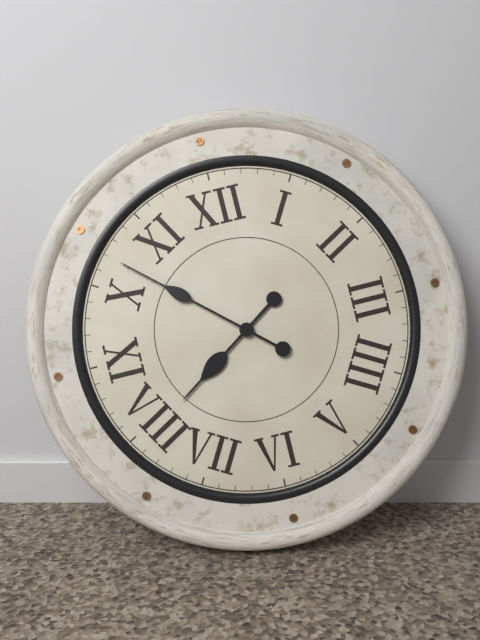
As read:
{"hour": 7, "minute": 52}
